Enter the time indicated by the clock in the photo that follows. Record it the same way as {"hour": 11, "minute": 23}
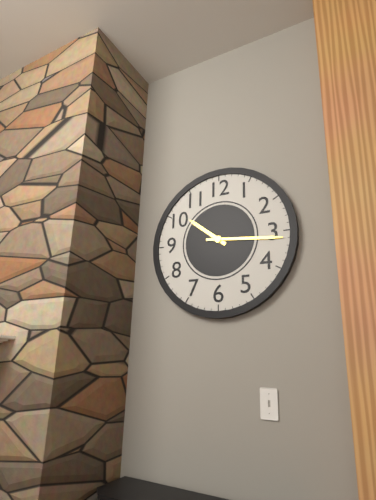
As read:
{"hour": 10, "minute": 16}
